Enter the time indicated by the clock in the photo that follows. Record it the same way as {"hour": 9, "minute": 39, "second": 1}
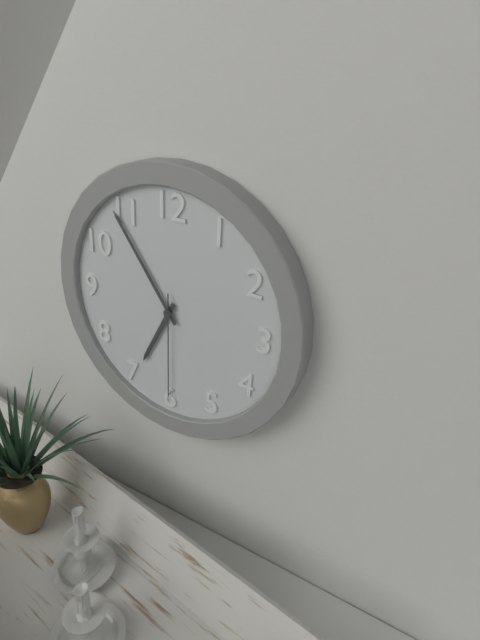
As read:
{"hour": 6, "minute": 54, "second": 30}
